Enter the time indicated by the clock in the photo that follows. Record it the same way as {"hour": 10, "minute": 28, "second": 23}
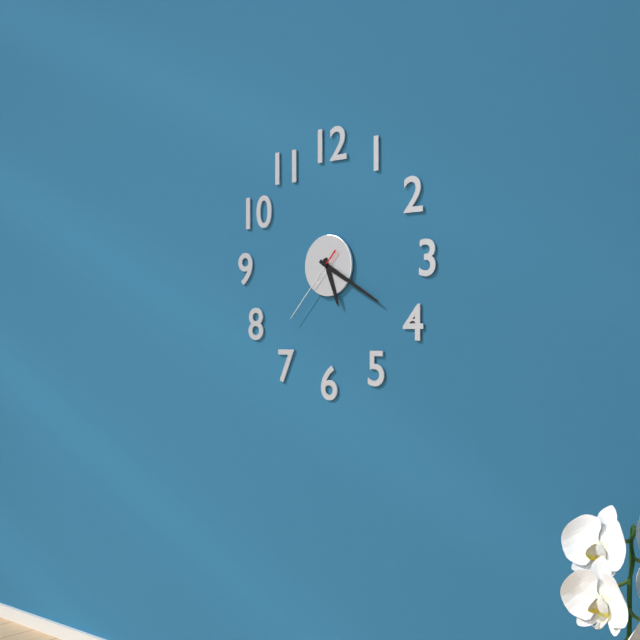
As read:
{"hour": 5, "minute": 20, "second": 37}
